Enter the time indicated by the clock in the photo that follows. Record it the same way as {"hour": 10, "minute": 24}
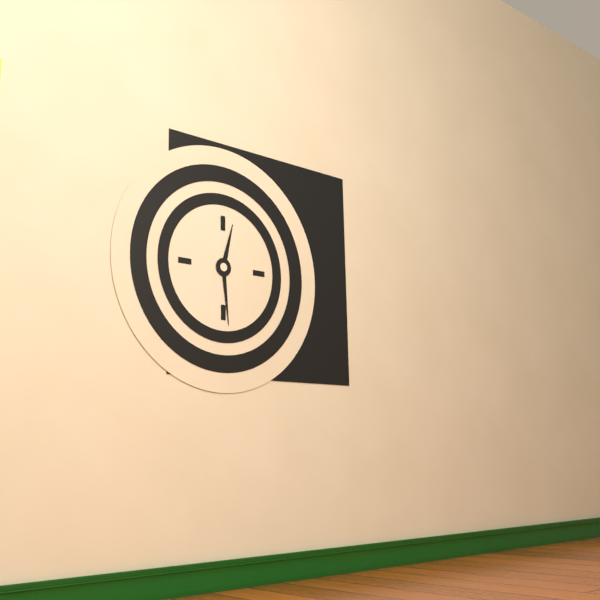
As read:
{"hour": 12, "minute": 29}
